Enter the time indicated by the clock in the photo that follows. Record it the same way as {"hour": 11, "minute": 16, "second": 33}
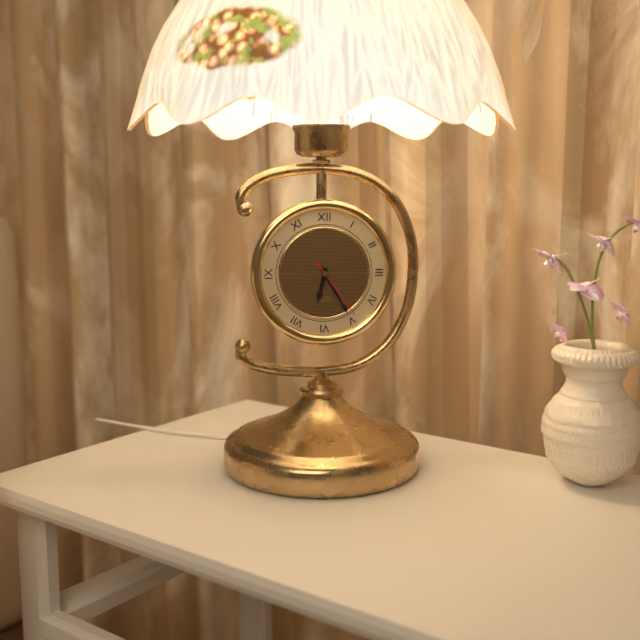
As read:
{"hour": 6, "minute": 25, "second": 24}
